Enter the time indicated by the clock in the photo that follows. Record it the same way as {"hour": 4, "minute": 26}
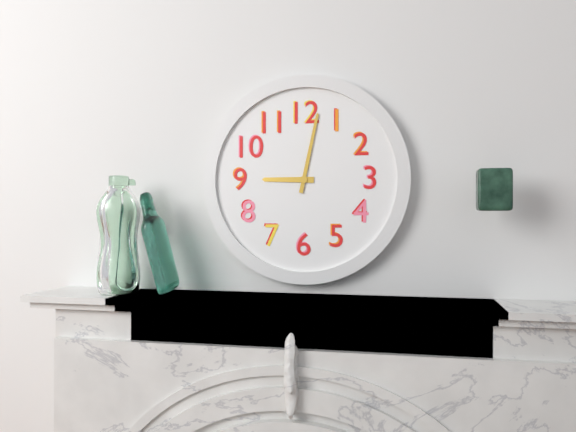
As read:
{"hour": 9, "minute": 2}
